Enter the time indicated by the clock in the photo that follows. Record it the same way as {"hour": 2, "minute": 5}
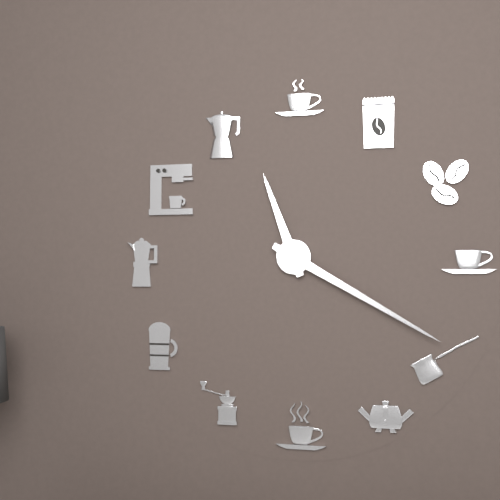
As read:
{"hour": 11, "minute": 20}
